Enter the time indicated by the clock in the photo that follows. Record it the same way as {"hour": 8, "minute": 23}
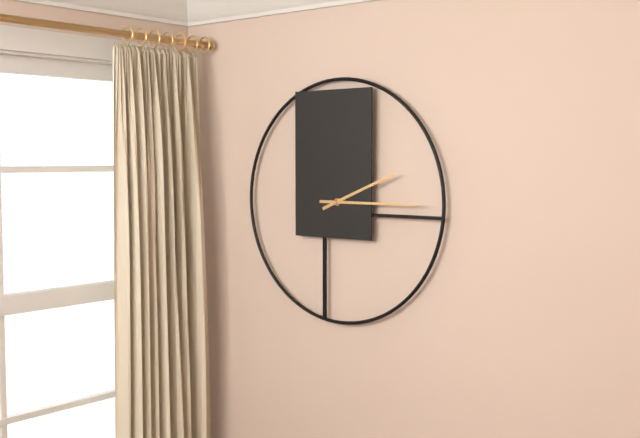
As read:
{"hour": 2, "minute": 15}
